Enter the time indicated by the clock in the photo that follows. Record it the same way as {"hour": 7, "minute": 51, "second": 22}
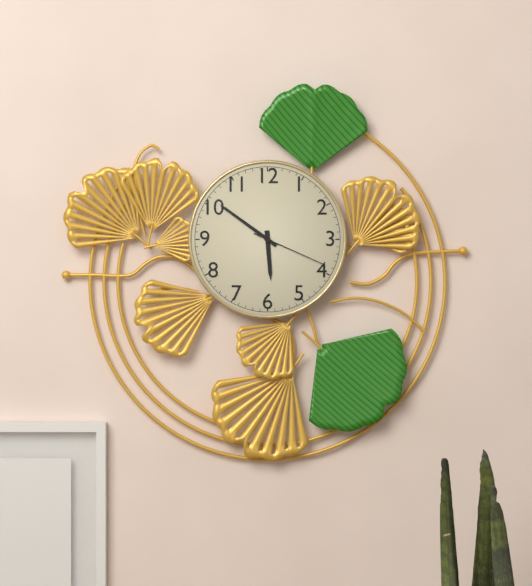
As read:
{"hour": 5, "minute": 51, "second": 19}
